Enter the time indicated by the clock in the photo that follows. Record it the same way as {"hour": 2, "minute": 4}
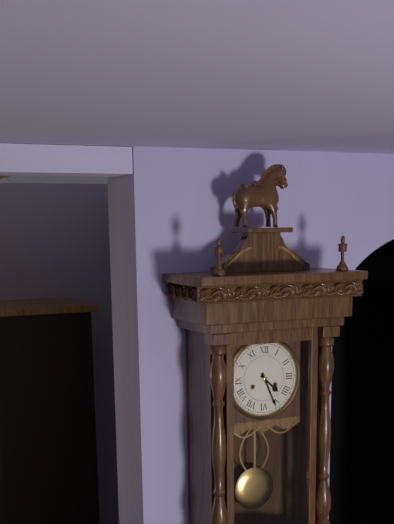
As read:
{"hour": 4, "minute": 26}
